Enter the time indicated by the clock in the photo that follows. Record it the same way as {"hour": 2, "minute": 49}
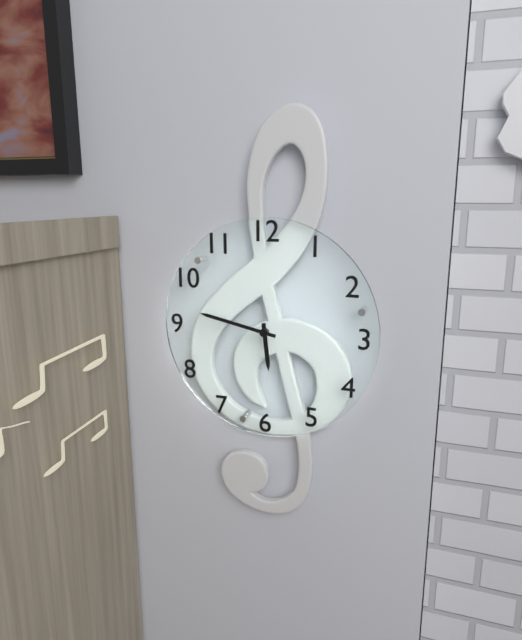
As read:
{"hour": 5, "minute": 47}
